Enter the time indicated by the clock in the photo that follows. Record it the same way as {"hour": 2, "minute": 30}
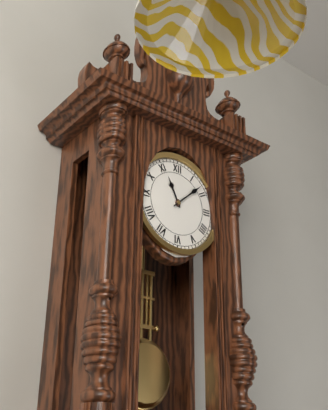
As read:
{"hour": 11, "minute": 8}
